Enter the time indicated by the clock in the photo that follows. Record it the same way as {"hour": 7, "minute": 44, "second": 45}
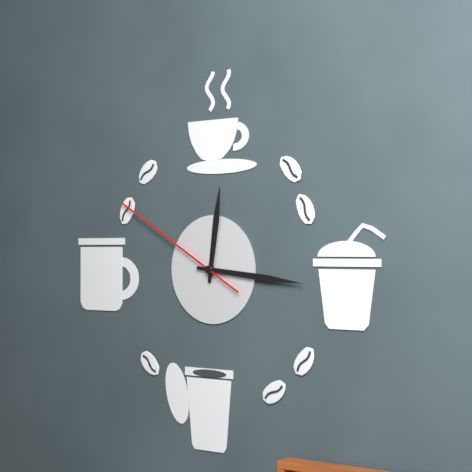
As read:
{"hour": 12, "minute": 16, "second": 50}
